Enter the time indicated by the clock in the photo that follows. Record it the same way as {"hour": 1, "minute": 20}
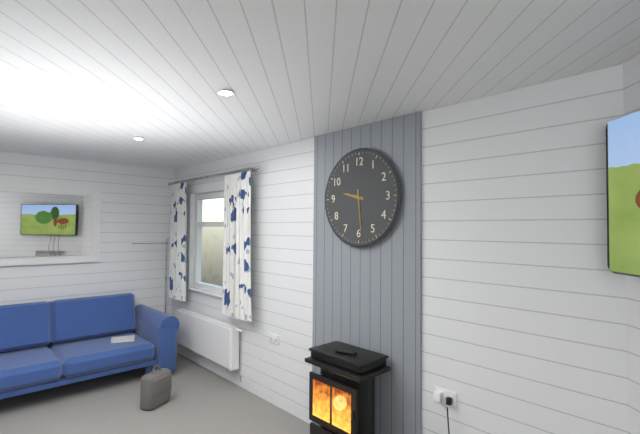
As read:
{"hour": 9, "minute": 29}
